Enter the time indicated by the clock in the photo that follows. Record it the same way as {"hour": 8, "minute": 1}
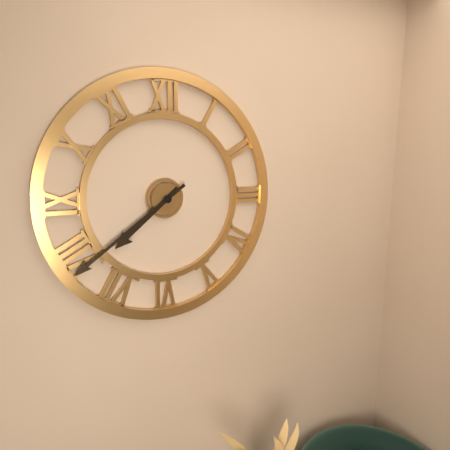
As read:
{"hour": 7, "minute": 39}
